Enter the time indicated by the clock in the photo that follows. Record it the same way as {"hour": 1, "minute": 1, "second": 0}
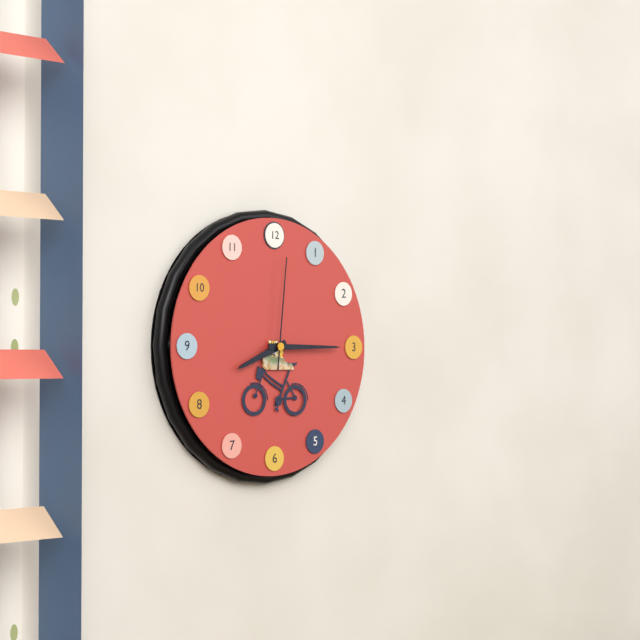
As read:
{"hour": 8, "minute": 15, "second": 1}
